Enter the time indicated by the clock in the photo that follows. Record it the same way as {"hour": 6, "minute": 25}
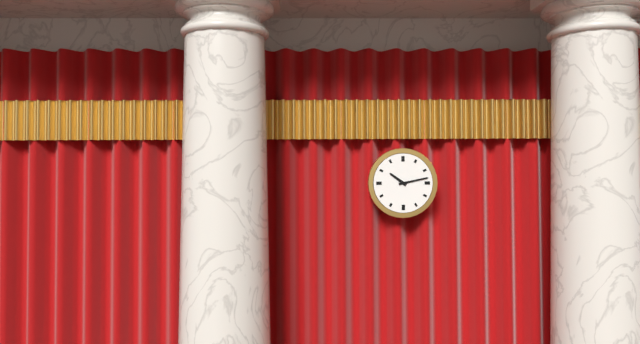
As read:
{"hour": 10, "minute": 13}
